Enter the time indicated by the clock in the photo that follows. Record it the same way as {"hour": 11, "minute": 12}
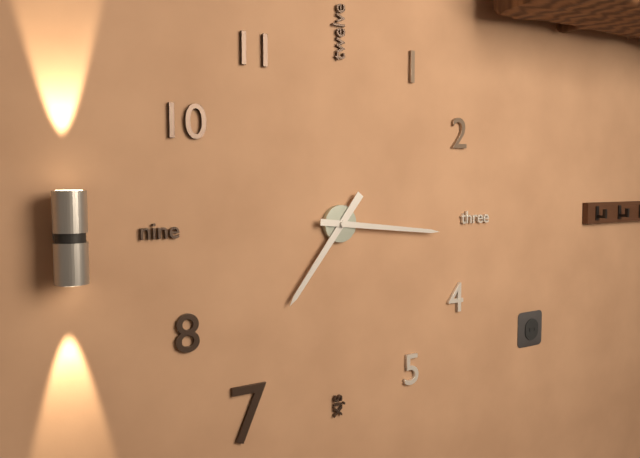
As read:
{"hour": 7, "minute": 16}
